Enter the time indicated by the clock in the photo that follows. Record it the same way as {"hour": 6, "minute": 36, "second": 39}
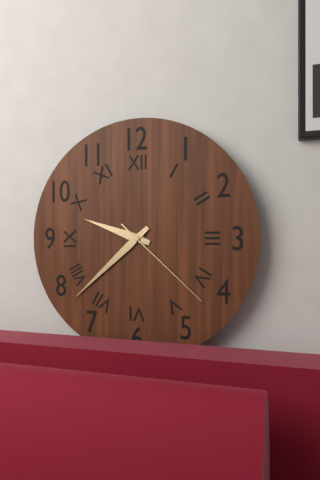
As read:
{"hour": 9, "minute": 38, "second": 22}
